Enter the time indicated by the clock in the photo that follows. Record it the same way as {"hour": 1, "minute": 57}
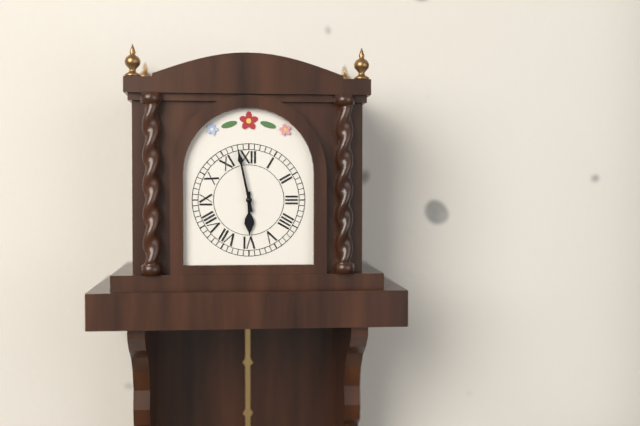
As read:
{"hour": 5, "minute": 58}
